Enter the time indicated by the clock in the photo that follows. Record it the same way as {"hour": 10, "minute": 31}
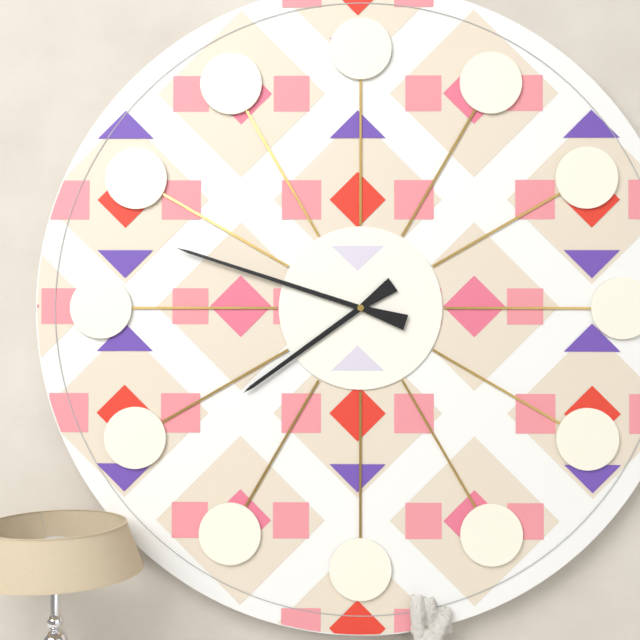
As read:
{"hour": 7, "minute": 48}
